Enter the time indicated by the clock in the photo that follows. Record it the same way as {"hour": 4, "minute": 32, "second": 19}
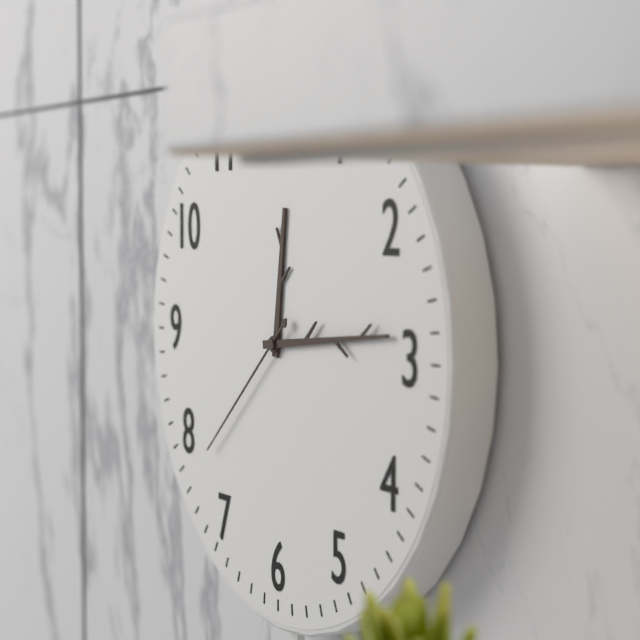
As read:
{"hour": 12, "minute": 14, "second": 38}
